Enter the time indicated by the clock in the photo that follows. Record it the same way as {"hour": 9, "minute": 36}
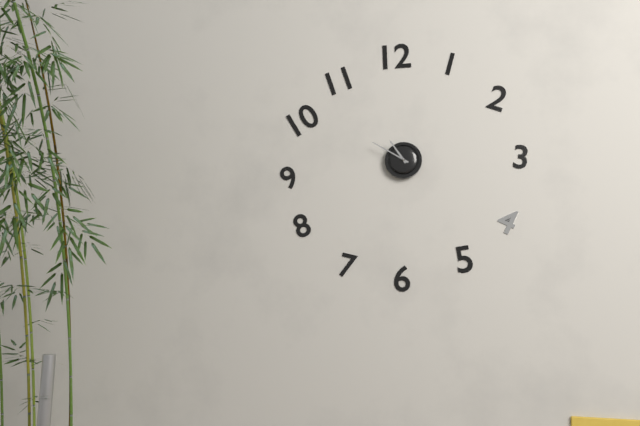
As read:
{"hour": 10, "minute": 50}
